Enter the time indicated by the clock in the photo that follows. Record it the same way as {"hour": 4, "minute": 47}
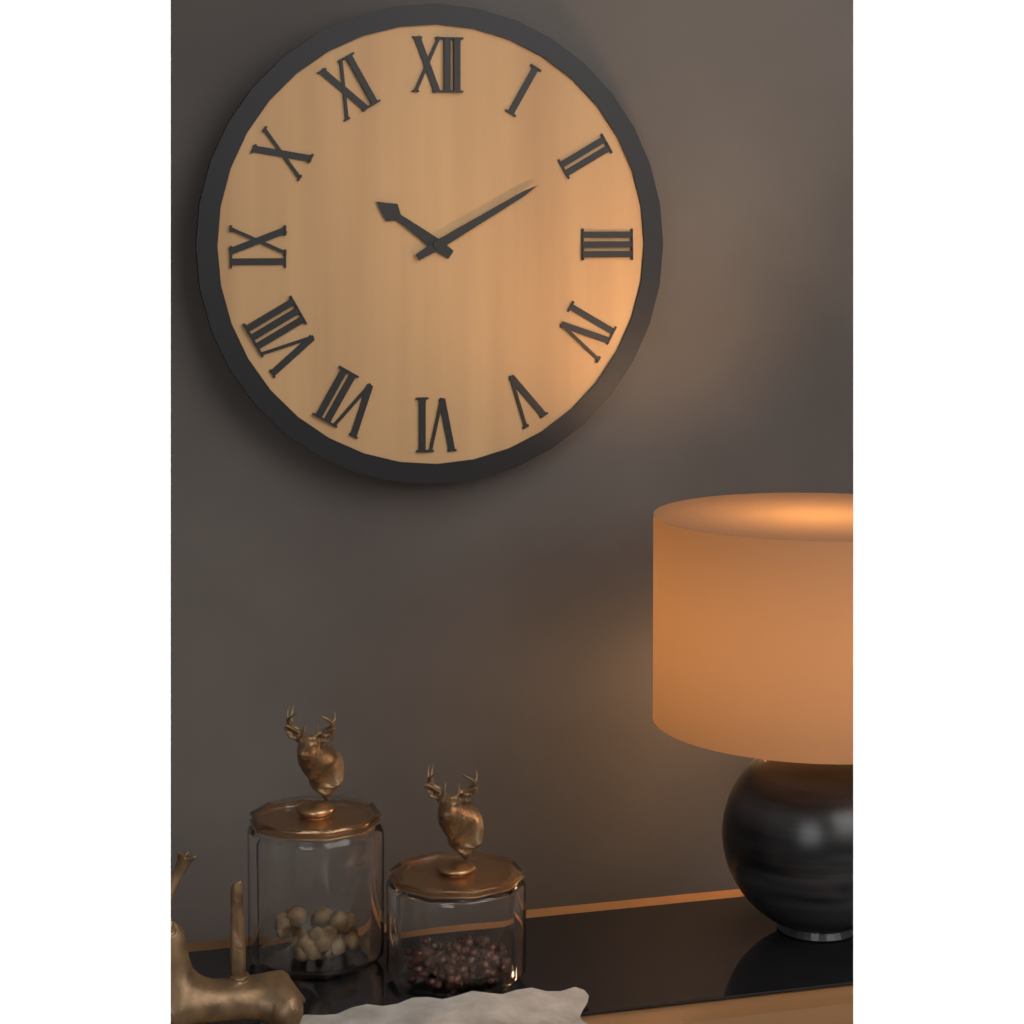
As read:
{"hour": 10, "minute": 10}
